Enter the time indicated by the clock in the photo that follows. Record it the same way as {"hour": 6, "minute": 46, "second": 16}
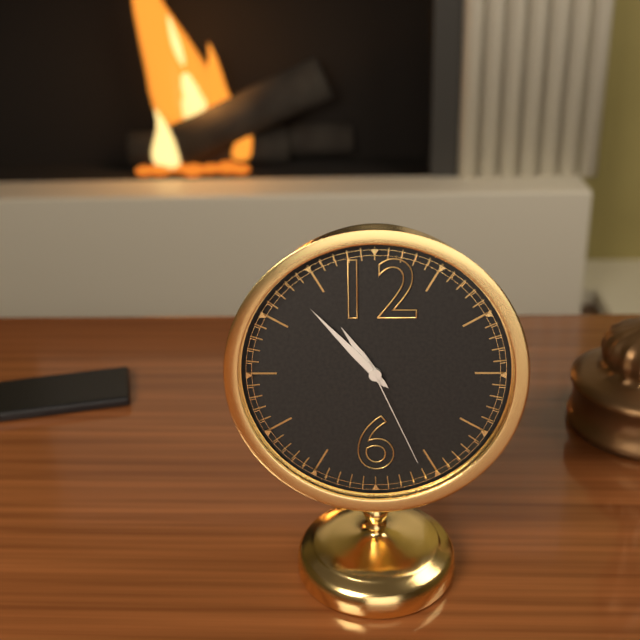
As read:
{"hour": 10, "minute": 53, "second": 26}
